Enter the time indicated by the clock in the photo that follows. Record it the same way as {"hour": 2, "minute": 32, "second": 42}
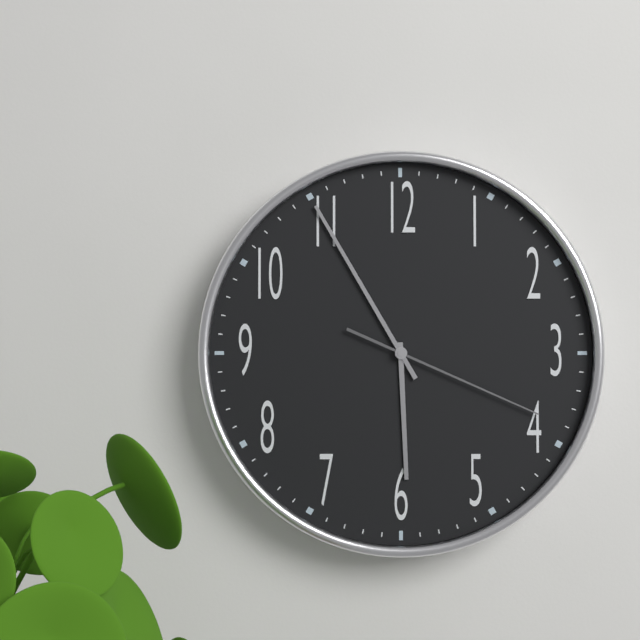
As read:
{"hour": 5, "minute": 55, "second": 19}
